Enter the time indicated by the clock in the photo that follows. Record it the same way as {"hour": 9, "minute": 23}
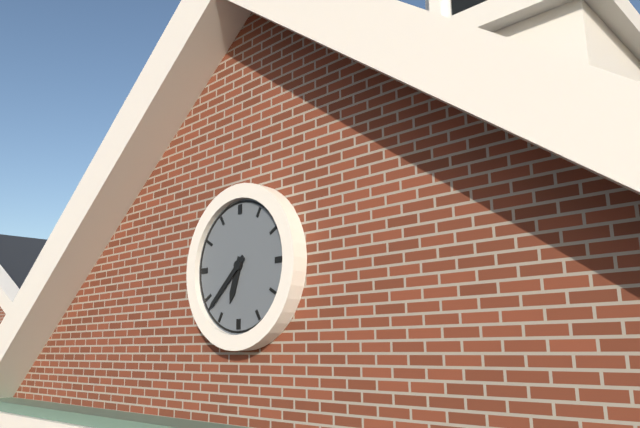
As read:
{"hour": 6, "minute": 38}
